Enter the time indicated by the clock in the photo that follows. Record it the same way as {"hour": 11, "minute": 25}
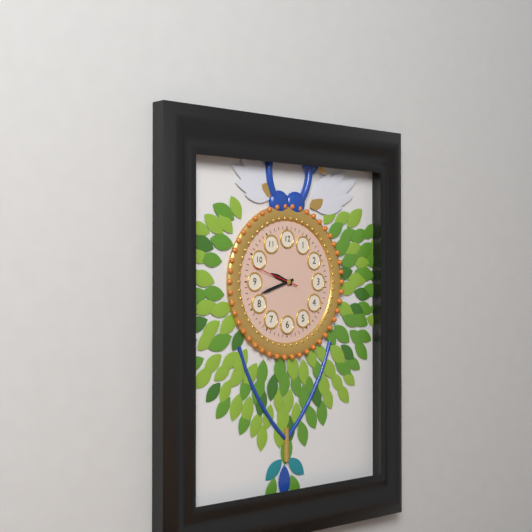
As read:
{"hour": 9, "minute": 42}
